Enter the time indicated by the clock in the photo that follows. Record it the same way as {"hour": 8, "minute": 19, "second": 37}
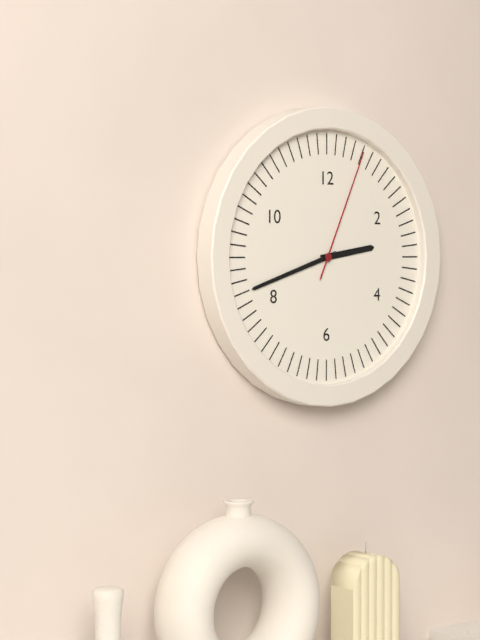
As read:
{"hour": 2, "minute": 42, "second": 4}
